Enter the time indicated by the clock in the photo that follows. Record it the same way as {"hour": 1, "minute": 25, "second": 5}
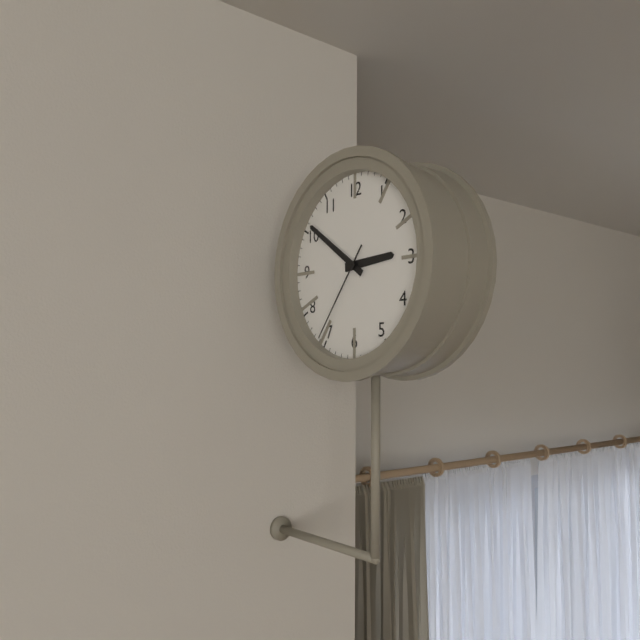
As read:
{"hour": 2, "minute": 51, "second": 36}
